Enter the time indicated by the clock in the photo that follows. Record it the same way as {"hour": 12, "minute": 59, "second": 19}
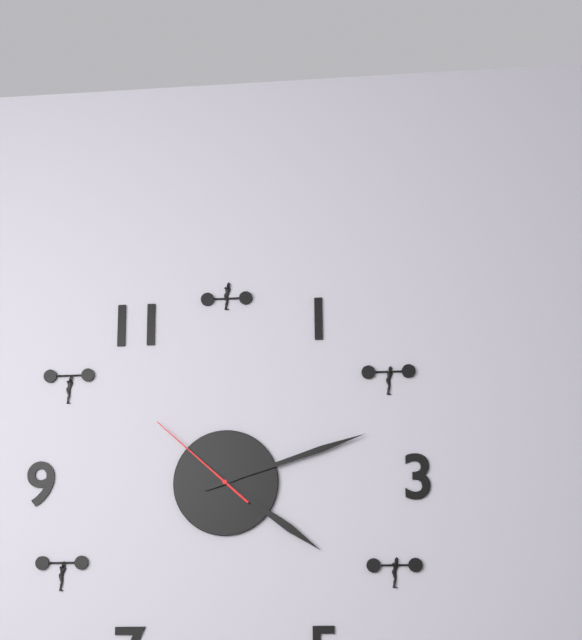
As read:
{"hour": 4, "minute": 12, "second": 52}
